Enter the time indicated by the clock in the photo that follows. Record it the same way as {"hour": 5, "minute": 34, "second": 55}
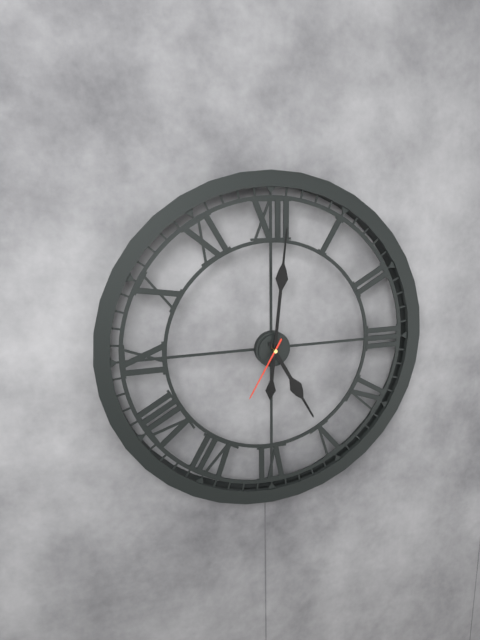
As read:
{"hour": 5, "minute": 1, "second": 35}
